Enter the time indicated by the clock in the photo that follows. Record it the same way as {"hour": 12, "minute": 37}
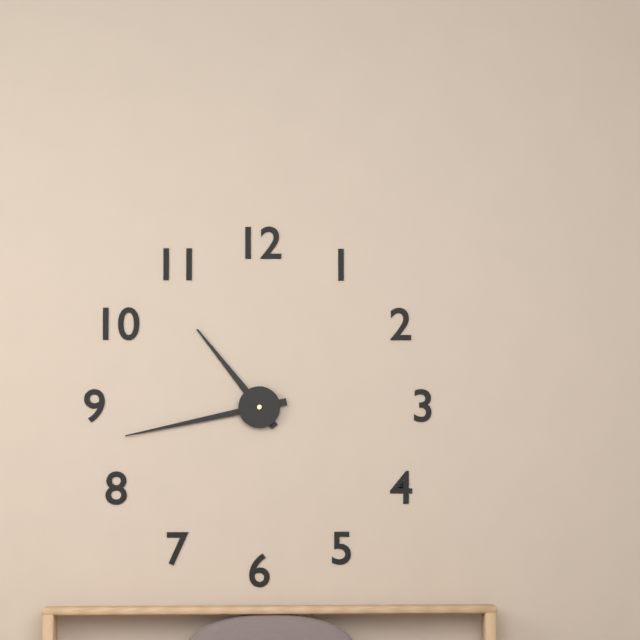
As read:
{"hour": 10, "minute": 43}
